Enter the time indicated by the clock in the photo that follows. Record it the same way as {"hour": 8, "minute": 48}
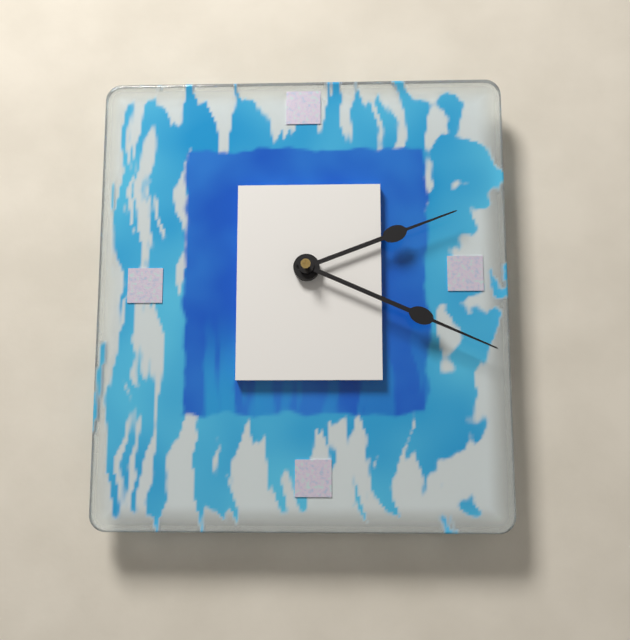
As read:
{"hour": 2, "minute": 19}
